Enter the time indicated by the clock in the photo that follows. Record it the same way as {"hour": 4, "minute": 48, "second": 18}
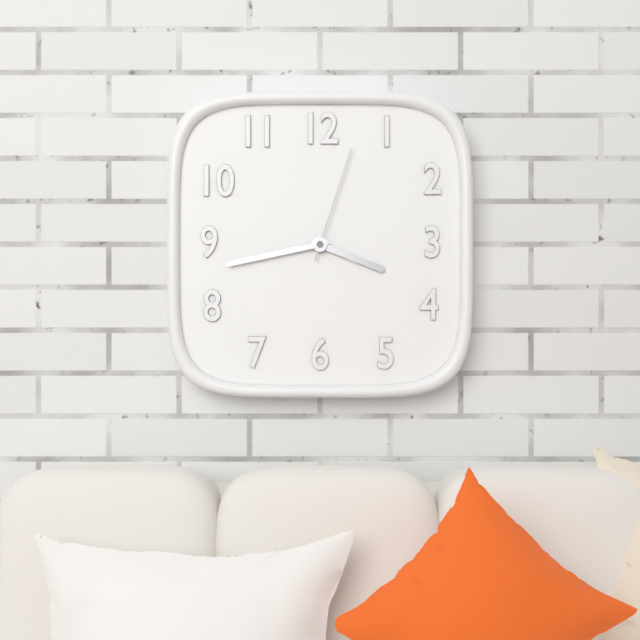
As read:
{"hour": 3, "minute": 43, "second": 3}
